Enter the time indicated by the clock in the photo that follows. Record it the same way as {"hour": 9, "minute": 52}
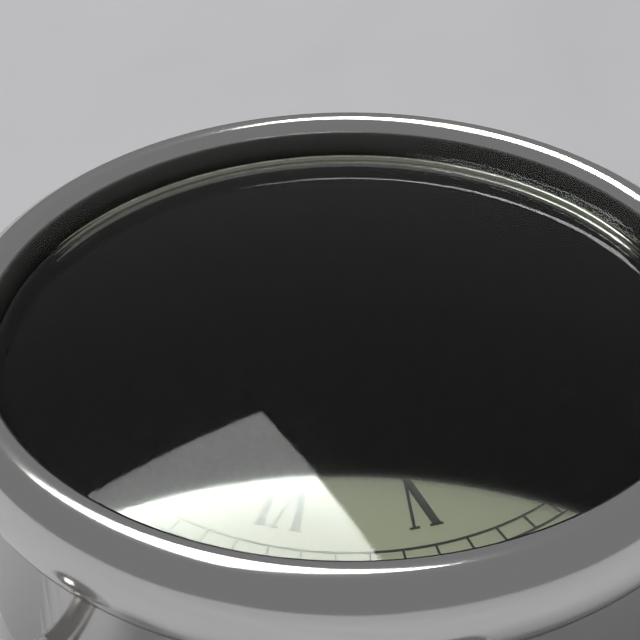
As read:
{"hour": 12, "minute": 9}
